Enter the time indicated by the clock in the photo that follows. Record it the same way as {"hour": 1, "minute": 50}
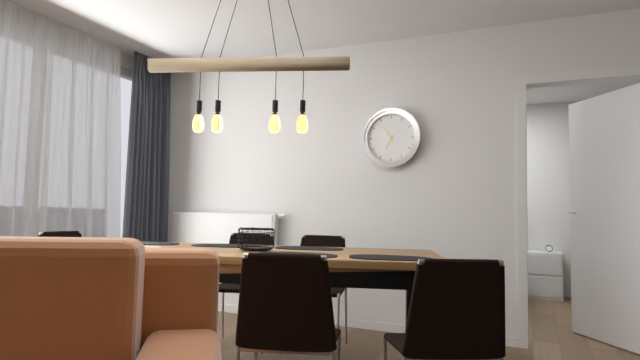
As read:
{"hour": 6, "minute": 54}
